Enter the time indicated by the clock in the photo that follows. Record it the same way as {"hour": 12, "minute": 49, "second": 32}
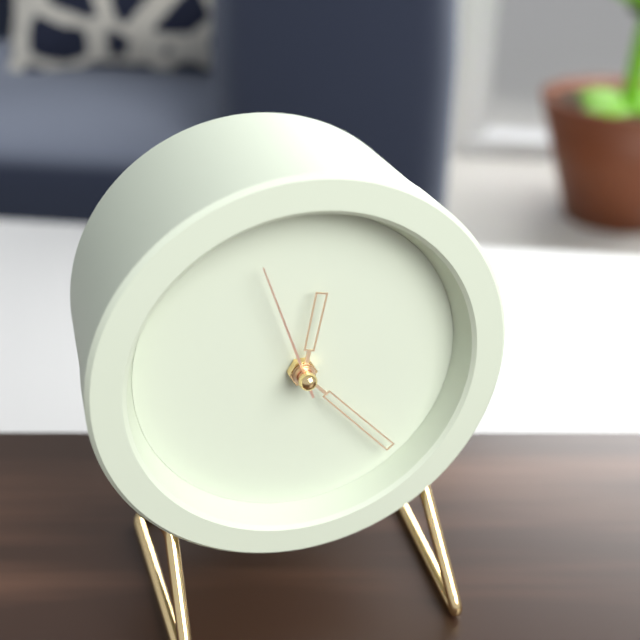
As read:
{"hour": 12, "minute": 23, "second": 57}
